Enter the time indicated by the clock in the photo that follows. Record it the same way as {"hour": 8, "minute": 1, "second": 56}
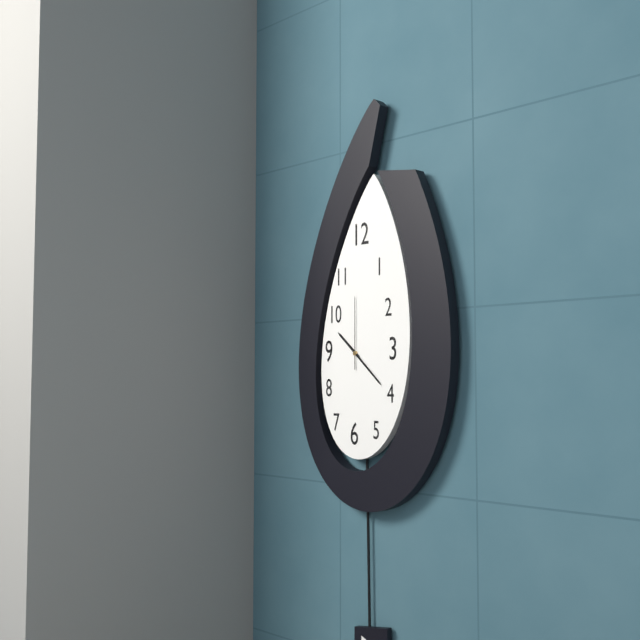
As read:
{"hour": 10, "minute": 22, "second": 0}
